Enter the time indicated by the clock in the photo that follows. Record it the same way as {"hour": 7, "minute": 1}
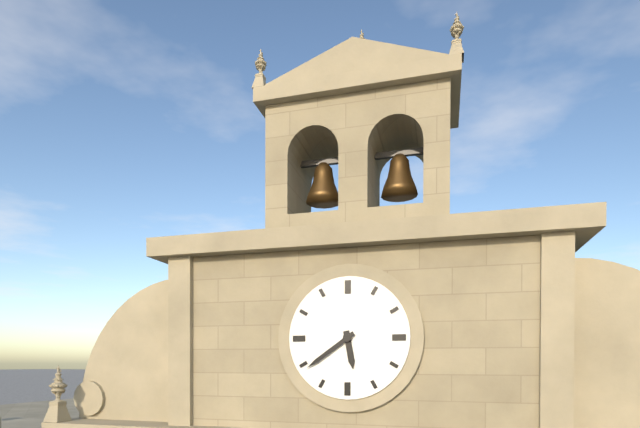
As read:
{"hour": 5, "minute": 39}
